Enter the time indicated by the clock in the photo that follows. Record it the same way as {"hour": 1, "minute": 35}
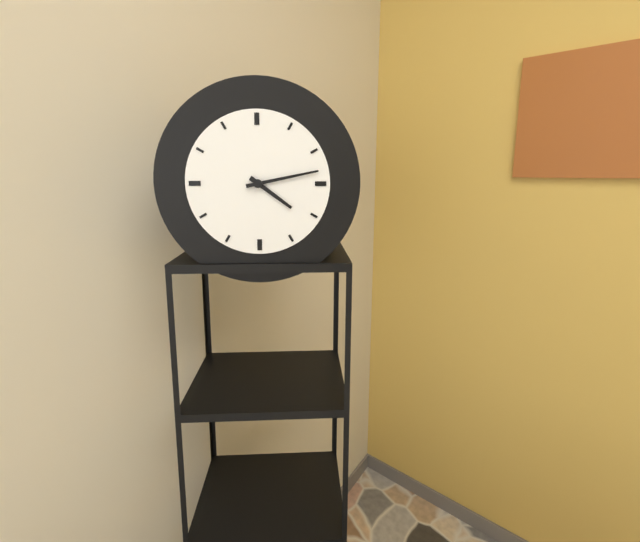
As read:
{"hour": 4, "minute": 13}
